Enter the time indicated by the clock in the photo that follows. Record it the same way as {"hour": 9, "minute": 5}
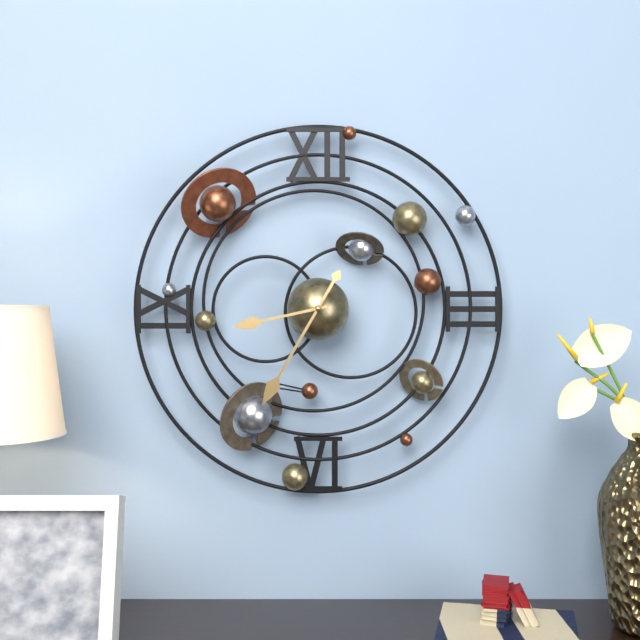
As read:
{"hour": 8, "minute": 35}
